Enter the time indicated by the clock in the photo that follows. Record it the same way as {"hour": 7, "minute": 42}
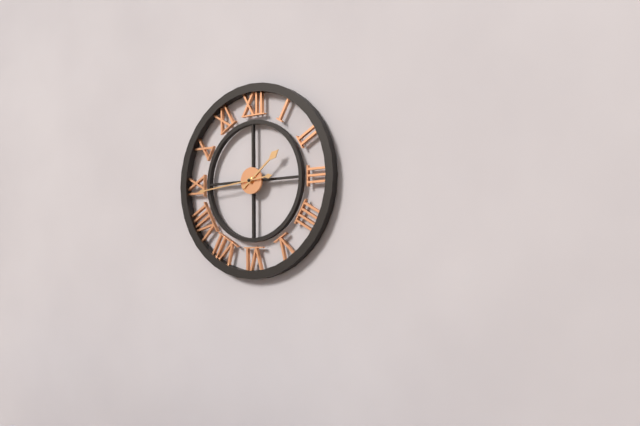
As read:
{"hour": 1, "minute": 44}
